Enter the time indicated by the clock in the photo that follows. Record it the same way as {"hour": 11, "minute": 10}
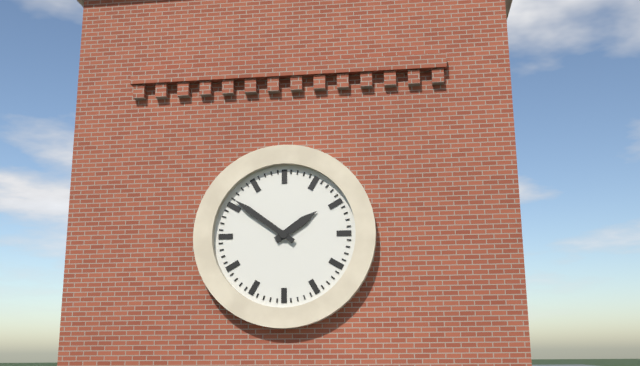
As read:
{"hour": 1, "minute": 51}
